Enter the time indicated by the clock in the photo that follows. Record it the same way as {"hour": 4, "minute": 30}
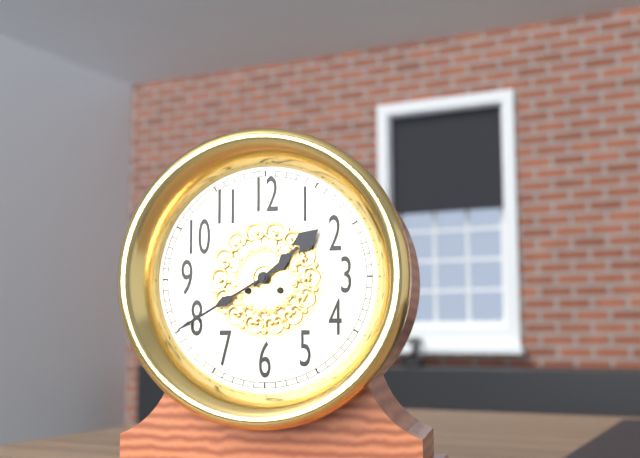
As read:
{"hour": 1, "minute": 40}
